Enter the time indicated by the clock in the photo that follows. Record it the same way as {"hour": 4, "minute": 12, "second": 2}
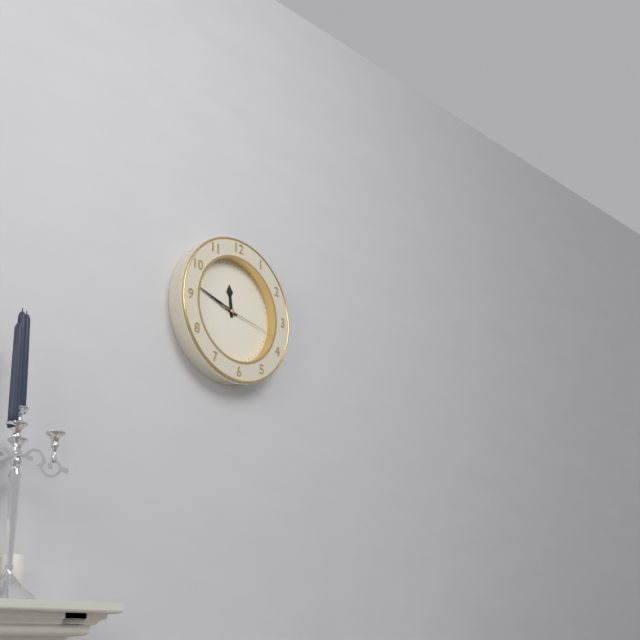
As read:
{"hour": 11, "minute": 48, "second": 17}
